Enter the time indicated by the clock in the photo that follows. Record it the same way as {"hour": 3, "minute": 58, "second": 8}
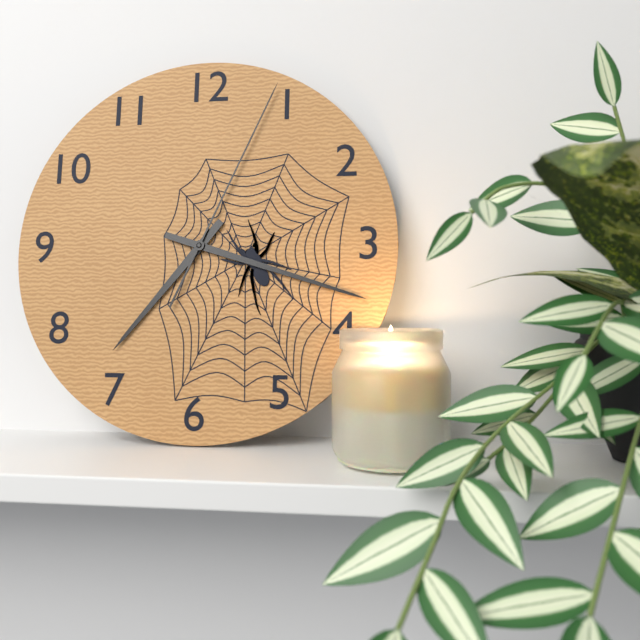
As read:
{"hour": 7, "minute": 18, "second": 4}
